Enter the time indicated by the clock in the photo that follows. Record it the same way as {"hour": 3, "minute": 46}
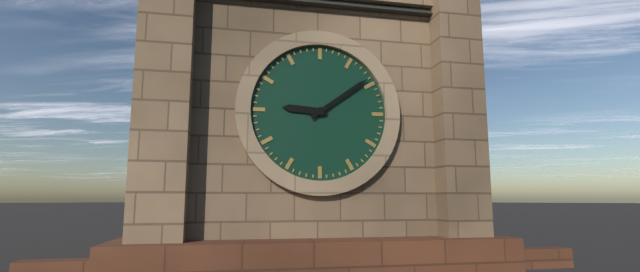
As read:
{"hour": 9, "minute": 9}
